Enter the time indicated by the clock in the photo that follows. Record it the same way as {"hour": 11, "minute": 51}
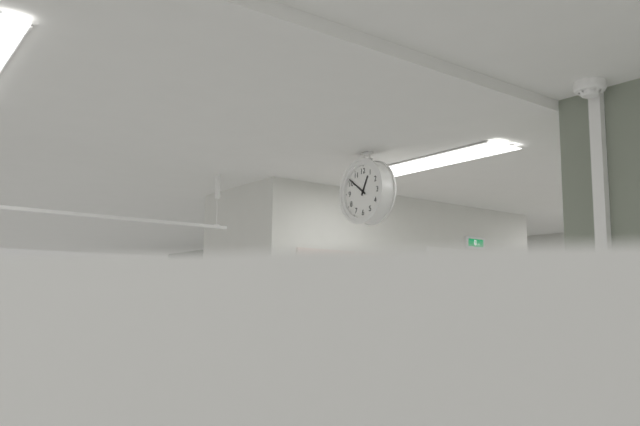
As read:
{"hour": 12, "minute": 51}
